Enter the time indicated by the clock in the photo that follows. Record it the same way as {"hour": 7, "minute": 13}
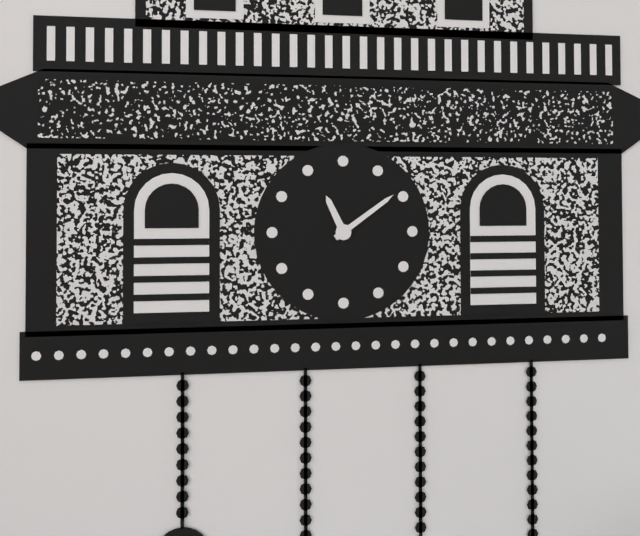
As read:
{"hour": 11, "minute": 9}
